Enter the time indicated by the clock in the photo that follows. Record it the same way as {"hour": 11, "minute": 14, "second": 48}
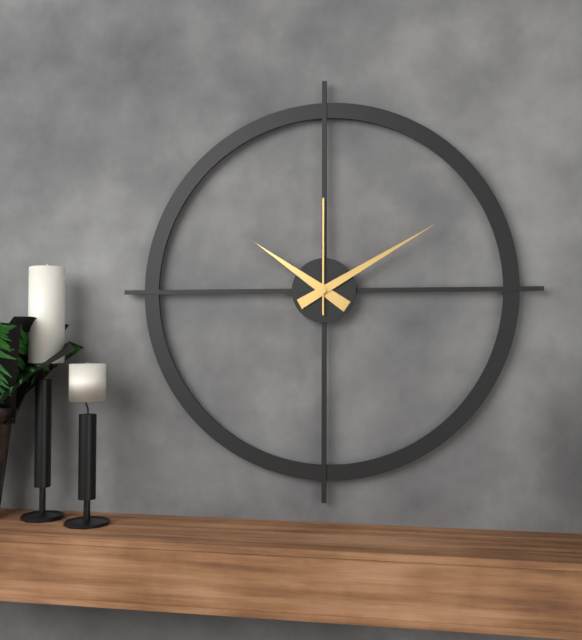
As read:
{"hour": 10, "minute": 10, "second": 0}
